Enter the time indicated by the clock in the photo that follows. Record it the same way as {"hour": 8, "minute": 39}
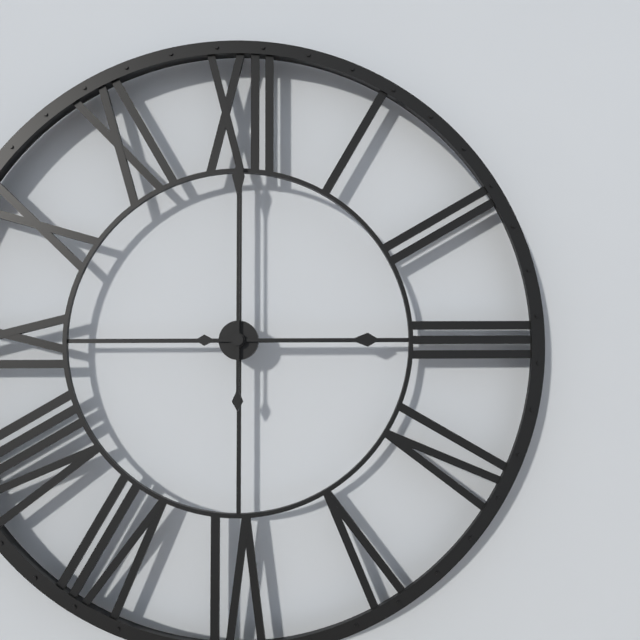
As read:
{"hour": 3, "minute": 0}
